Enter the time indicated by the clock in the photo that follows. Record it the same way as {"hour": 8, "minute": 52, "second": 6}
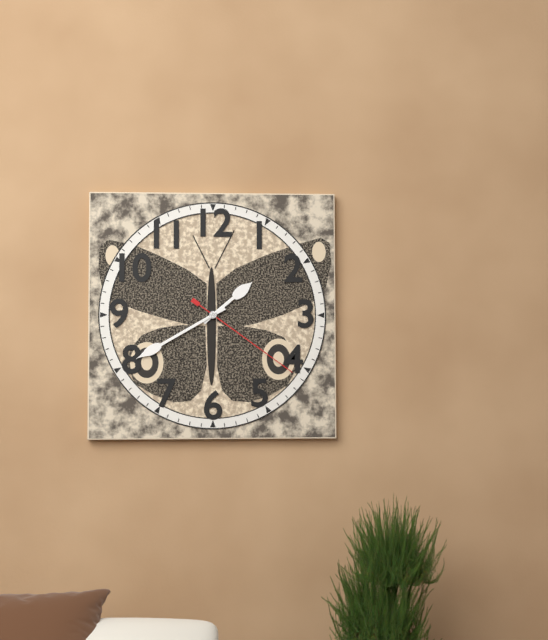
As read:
{"hour": 1, "minute": 40, "second": 21}
